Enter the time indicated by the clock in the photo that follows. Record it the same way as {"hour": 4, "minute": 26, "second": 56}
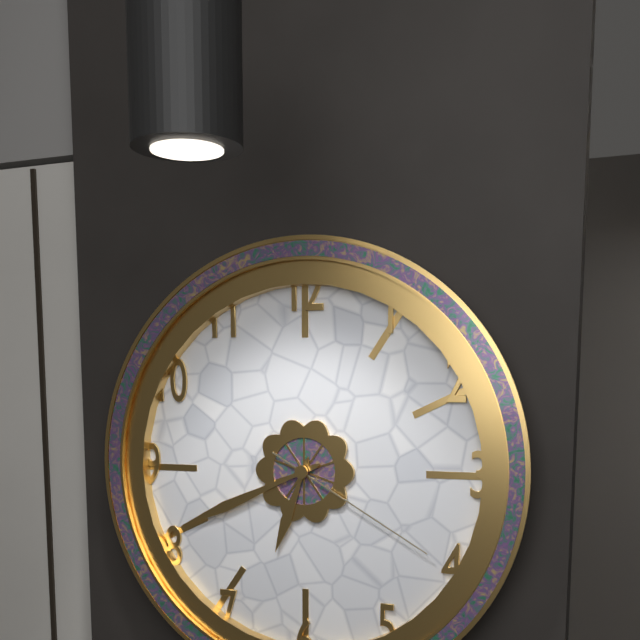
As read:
{"hour": 6, "minute": 41, "second": 20}
